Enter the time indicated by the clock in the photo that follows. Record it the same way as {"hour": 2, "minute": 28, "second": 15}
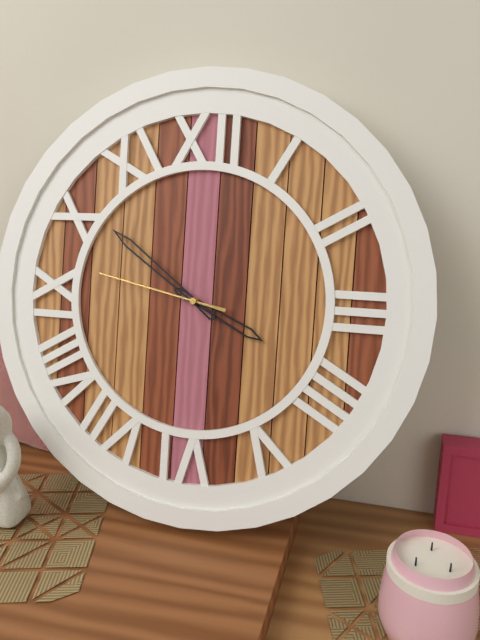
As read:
{"hour": 3, "minute": 51, "second": 47}
